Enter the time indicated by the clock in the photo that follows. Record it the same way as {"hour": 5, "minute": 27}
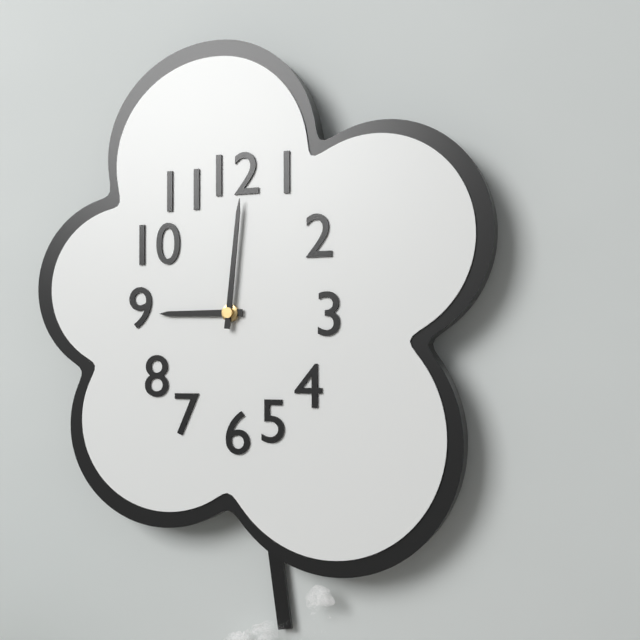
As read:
{"hour": 9, "minute": 1}
